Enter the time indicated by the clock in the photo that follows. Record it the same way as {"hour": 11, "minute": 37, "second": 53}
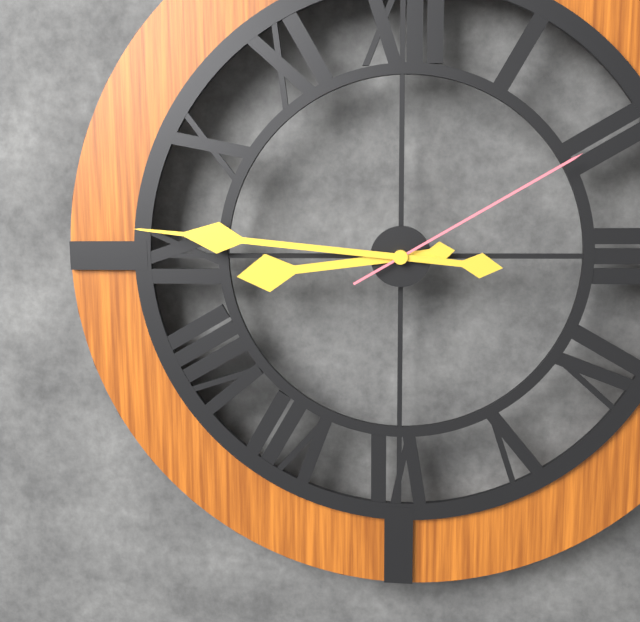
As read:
{"hour": 8, "minute": 46, "second": 10}
